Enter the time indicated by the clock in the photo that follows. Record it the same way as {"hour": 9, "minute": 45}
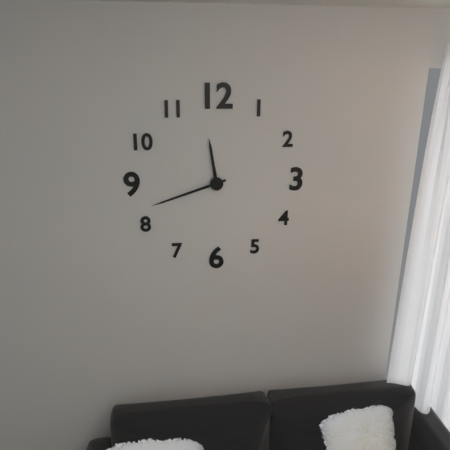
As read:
{"hour": 11, "minute": 42}
